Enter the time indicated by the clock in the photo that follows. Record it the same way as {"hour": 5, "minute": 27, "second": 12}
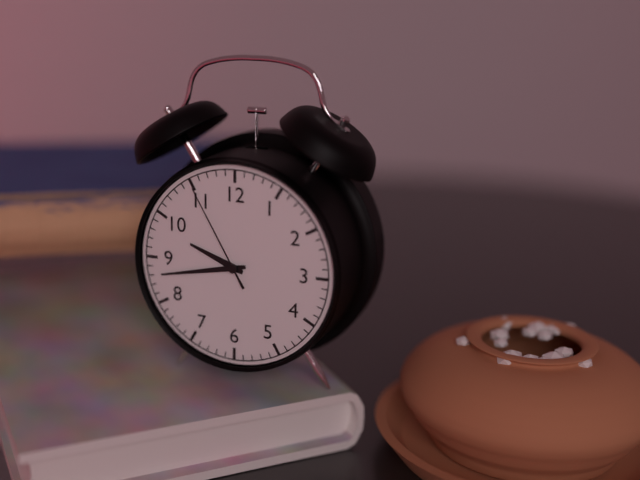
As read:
{"hour": 9, "minute": 43, "second": 55}
